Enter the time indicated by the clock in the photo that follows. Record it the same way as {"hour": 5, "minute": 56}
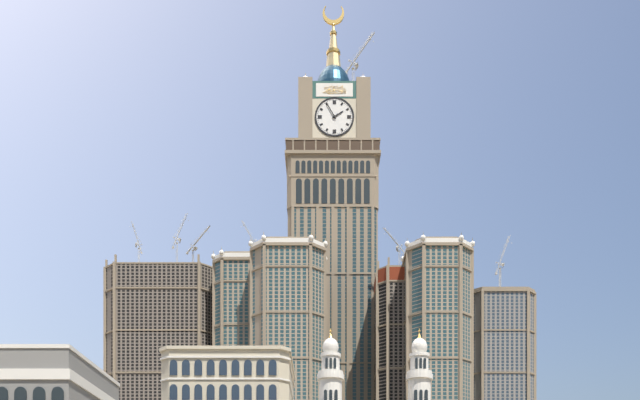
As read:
{"hour": 1, "minute": 55}
